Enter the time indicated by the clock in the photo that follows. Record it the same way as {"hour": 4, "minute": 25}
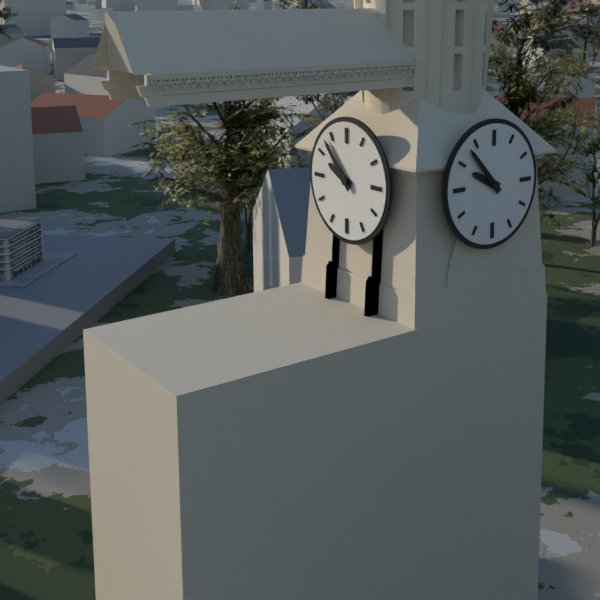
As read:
{"hour": 9, "minute": 53}
